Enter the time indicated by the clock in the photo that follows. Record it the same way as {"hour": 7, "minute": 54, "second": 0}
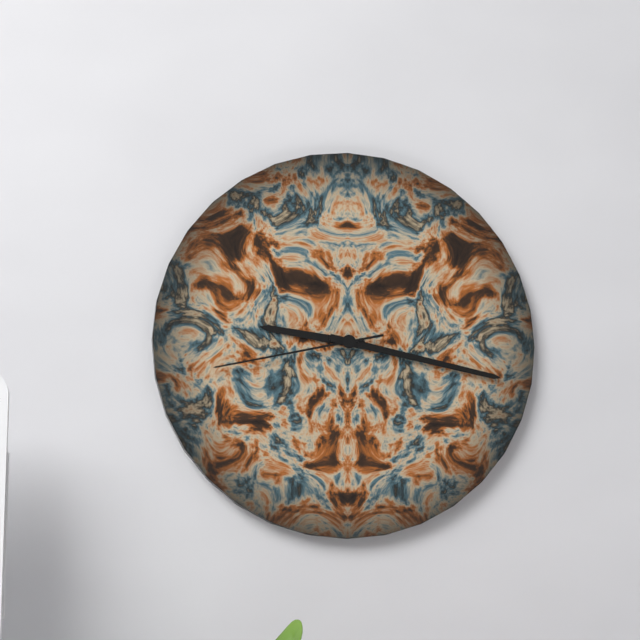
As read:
{"hour": 9, "minute": 17, "second": 43}
